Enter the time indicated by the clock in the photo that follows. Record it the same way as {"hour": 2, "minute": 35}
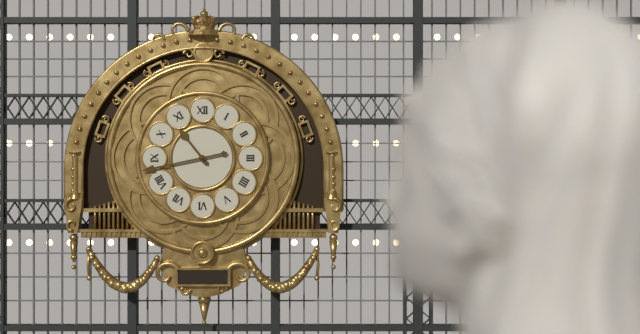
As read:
{"hour": 10, "minute": 43}
